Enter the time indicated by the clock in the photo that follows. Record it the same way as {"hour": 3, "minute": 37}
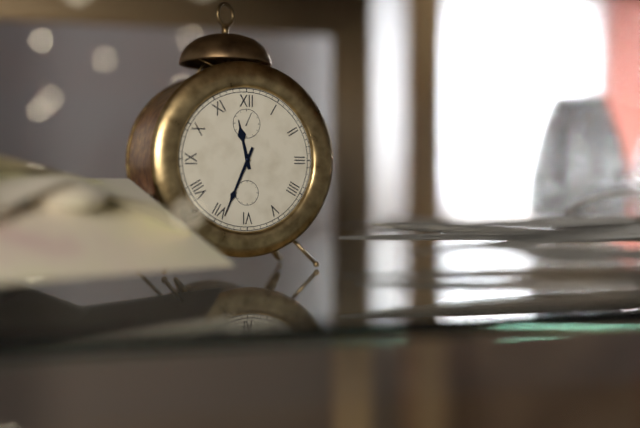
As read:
{"hour": 11, "minute": 34}
